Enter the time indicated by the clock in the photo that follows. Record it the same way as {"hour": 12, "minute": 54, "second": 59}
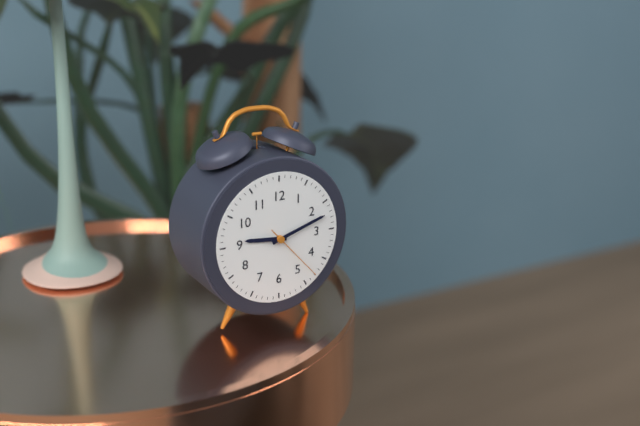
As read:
{"hour": 9, "minute": 12, "second": 23}
